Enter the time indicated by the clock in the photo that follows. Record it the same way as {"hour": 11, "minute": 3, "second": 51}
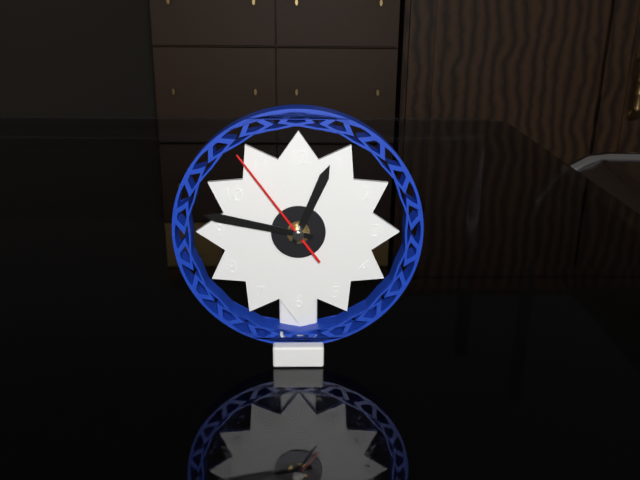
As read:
{"hour": 12, "minute": 47, "second": 54}
